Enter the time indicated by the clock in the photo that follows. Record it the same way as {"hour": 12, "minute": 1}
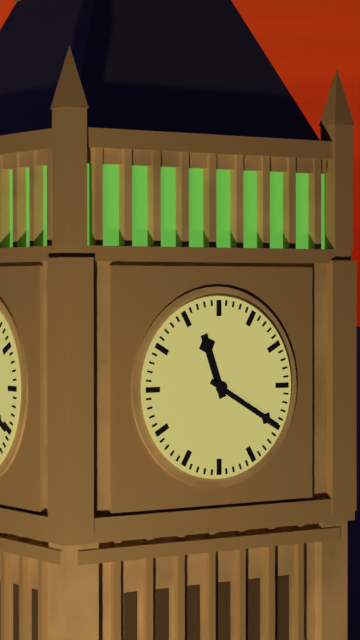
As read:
{"hour": 11, "minute": 20}
